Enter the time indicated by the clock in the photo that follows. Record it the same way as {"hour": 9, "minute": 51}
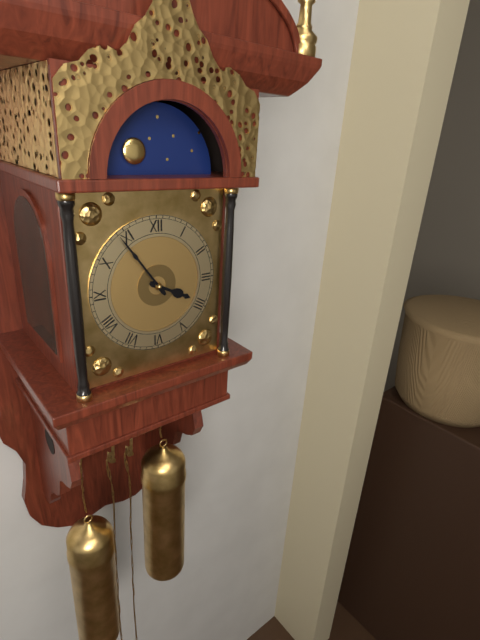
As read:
{"hour": 3, "minute": 54}
